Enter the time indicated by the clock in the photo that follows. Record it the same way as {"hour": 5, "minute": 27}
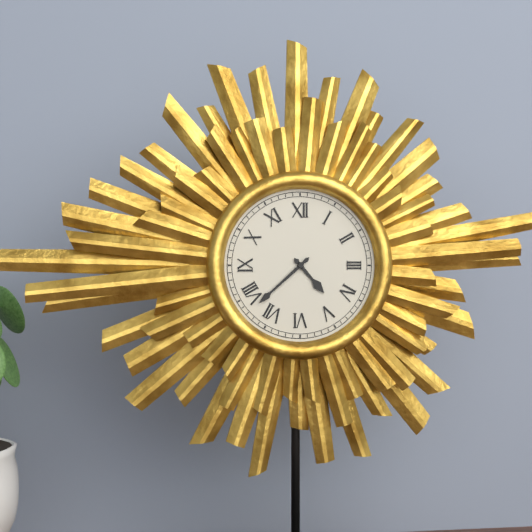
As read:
{"hour": 4, "minute": 38}
